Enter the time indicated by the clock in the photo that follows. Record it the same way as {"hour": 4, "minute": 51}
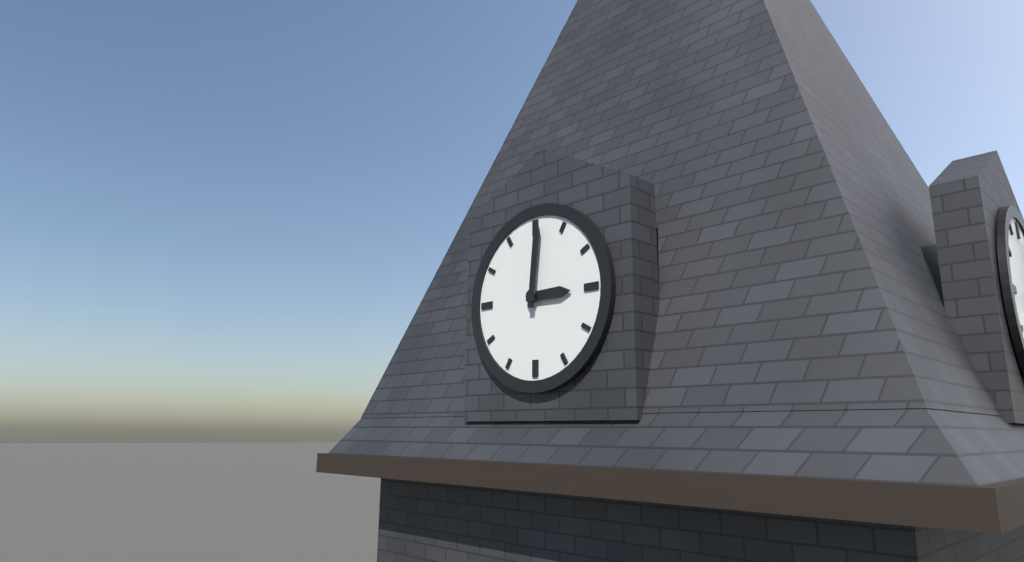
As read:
{"hour": 3, "minute": 1}
